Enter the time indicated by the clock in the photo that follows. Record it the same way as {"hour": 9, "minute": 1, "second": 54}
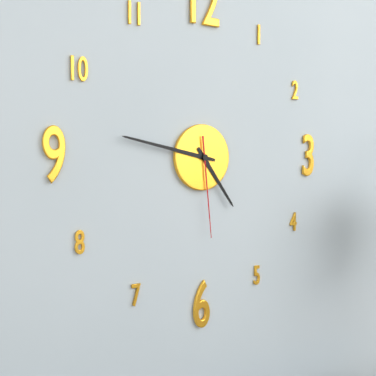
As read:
{"hour": 4, "minute": 47, "second": 29}
